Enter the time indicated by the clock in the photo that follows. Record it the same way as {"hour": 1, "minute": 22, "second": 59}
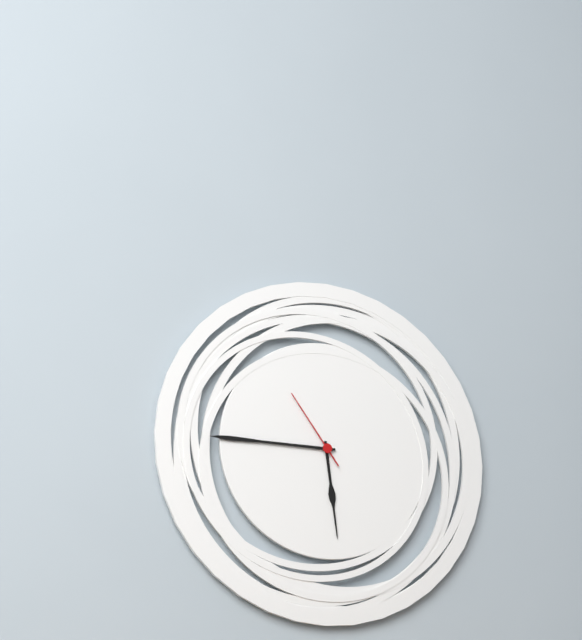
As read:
{"hour": 5, "minute": 45, "second": 54}
